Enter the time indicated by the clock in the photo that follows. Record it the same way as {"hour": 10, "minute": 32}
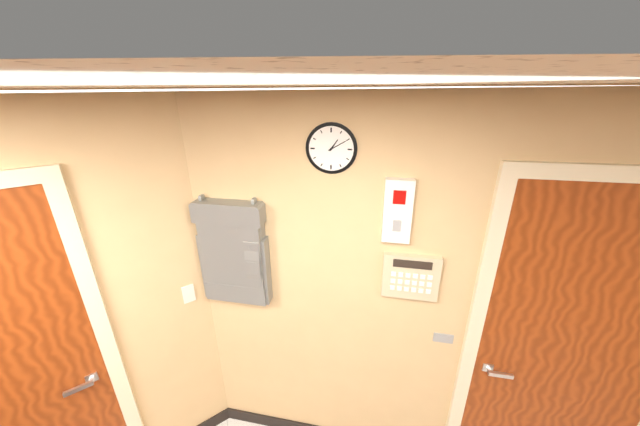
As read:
{"hour": 1, "minute": 10}
